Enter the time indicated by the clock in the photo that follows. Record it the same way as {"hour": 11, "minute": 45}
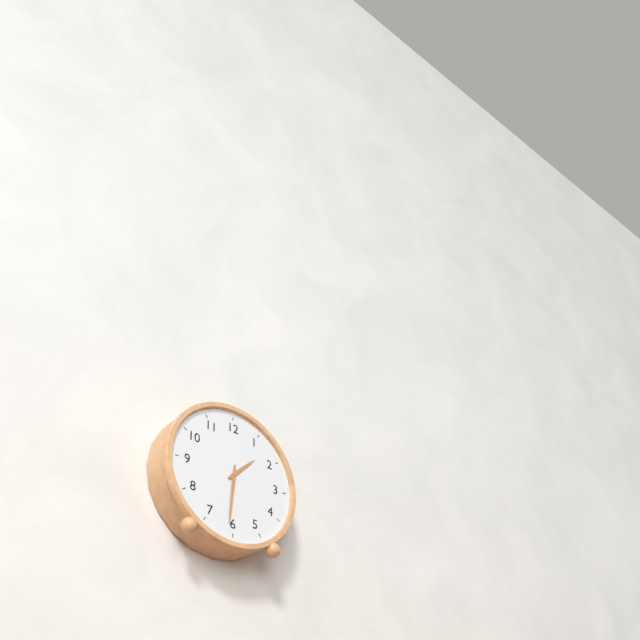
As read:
{"hour": 1, "minute": 31}
